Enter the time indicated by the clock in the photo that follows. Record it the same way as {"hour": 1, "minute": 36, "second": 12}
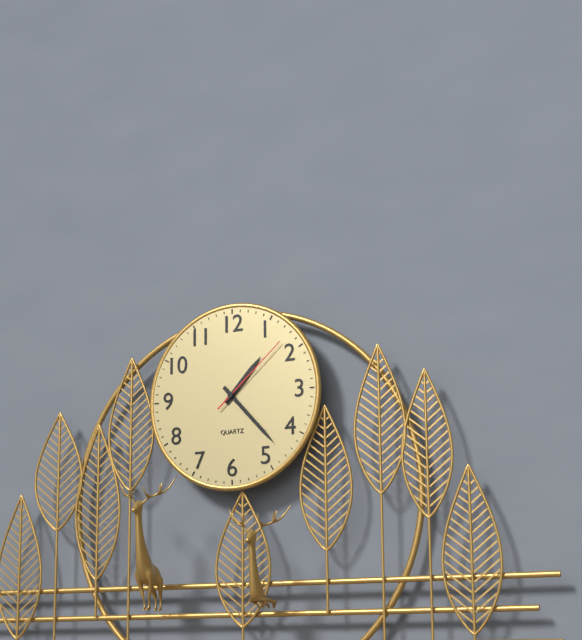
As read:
{"hour": 1, "minute": 23, "second": 8}
